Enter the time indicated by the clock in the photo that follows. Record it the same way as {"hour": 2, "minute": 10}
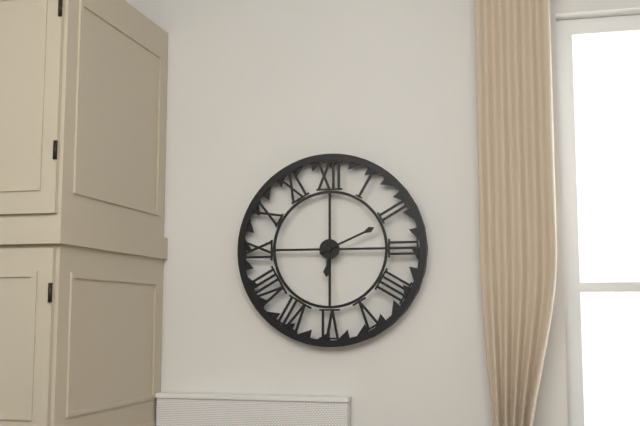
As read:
{"hour": 6, "minute": 11}
